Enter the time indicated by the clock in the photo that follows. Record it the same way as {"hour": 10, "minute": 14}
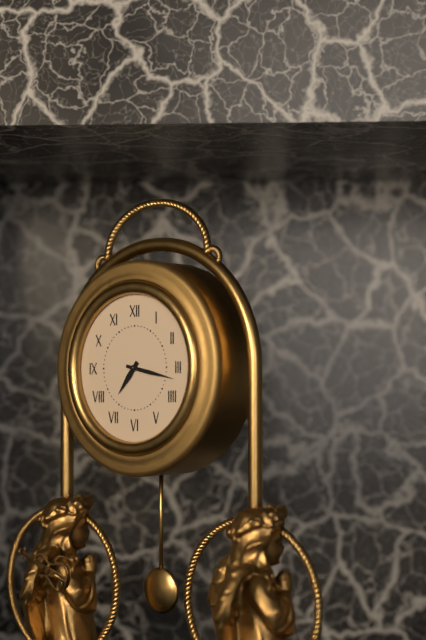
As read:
{"hour": 7, "minute": 17}
